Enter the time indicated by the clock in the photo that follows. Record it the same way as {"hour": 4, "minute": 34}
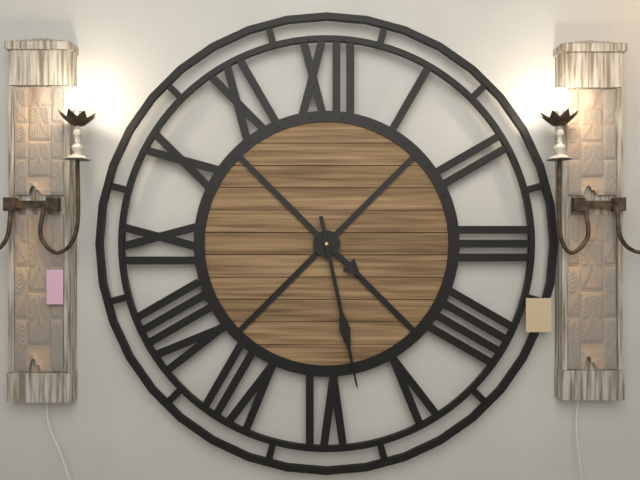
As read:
{"hour": 4, "minute": 28}
